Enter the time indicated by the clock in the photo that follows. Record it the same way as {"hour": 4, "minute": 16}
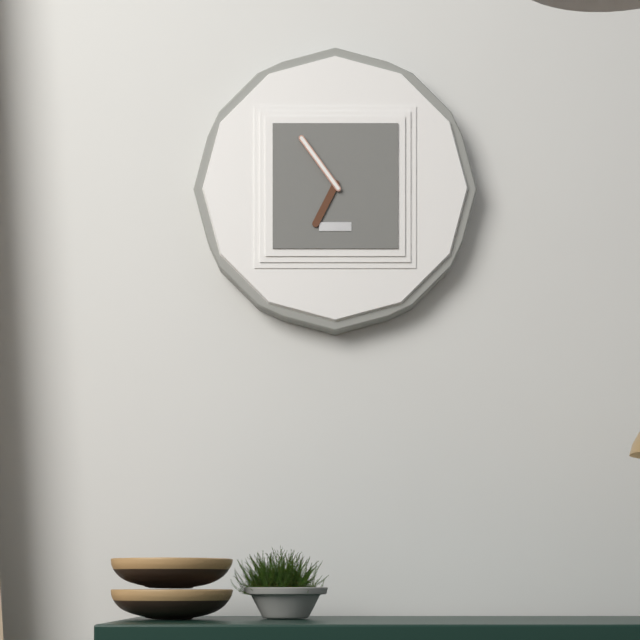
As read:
{"hour": 6, "minute": 54}
